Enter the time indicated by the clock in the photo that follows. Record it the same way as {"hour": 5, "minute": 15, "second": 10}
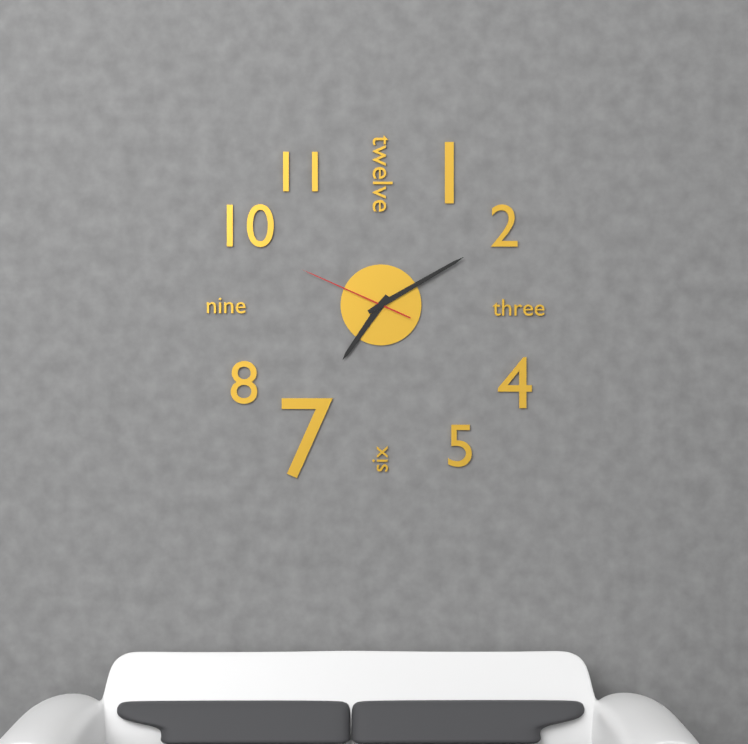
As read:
{"hour": 7, "minute": 10, "second": 49}
